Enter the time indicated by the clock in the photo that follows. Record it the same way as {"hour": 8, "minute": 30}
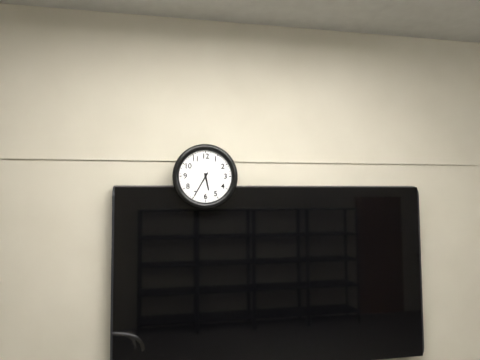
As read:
{"hour": 5, "minute": 35}
